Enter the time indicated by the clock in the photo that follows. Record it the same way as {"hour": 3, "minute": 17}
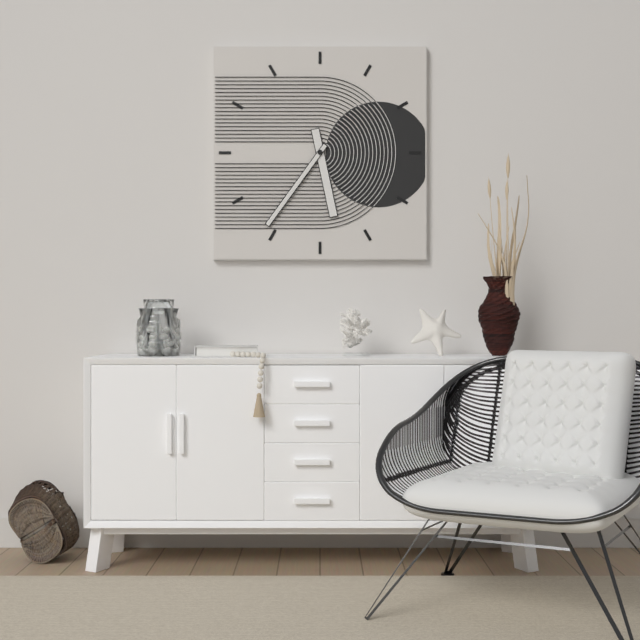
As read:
{"hour": 5, "minute": 36}
